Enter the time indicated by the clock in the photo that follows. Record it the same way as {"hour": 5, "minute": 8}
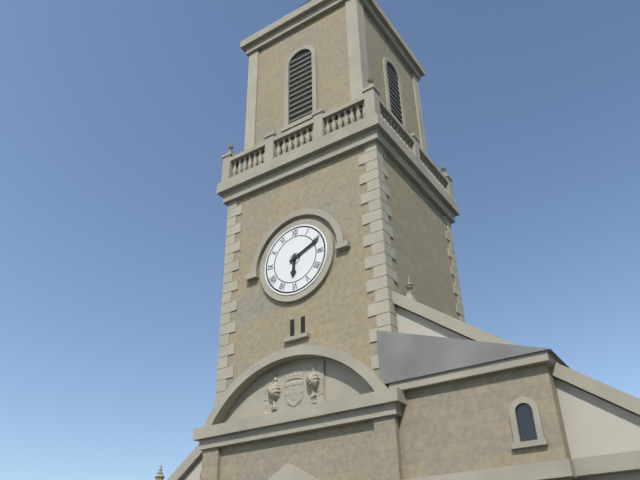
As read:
{"hour": 6, "minute": 11}
